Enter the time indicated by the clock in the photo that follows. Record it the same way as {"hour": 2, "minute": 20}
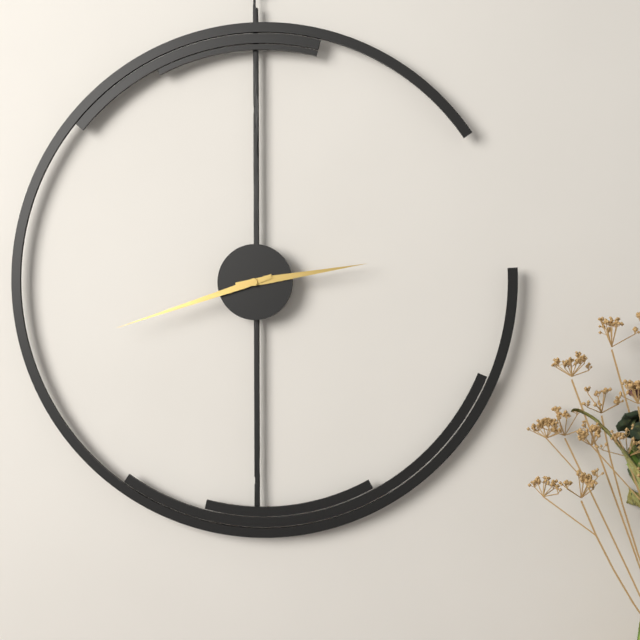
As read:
{"hour": 2, "minute": 42}
